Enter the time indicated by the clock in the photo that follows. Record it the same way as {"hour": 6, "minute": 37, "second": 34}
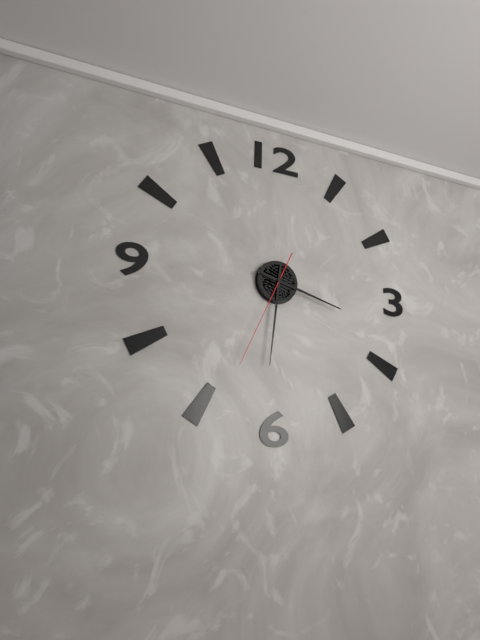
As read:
{"hour": 3, "minute": 31, "second": 34}
